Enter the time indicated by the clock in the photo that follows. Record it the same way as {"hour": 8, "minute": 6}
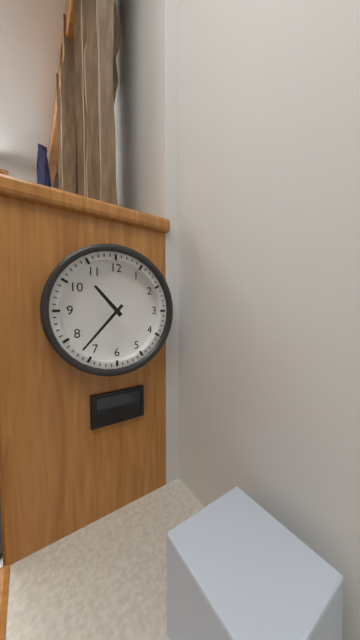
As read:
{"hour": 10, "minute": 37}
